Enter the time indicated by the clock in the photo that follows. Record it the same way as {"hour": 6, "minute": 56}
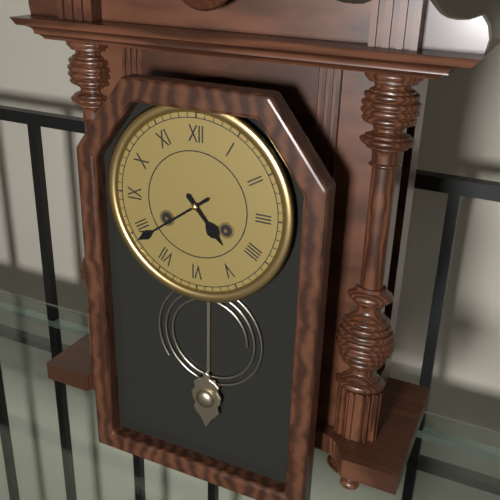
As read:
{"hour": 4, "minute": 39}
